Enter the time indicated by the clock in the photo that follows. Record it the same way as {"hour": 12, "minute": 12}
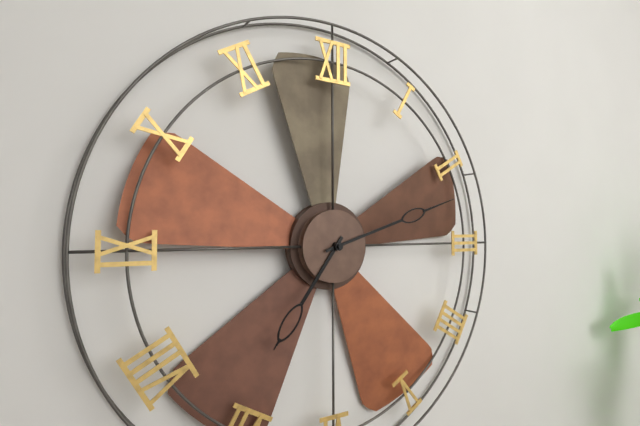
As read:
{"hour": 7, "minute": 12}
